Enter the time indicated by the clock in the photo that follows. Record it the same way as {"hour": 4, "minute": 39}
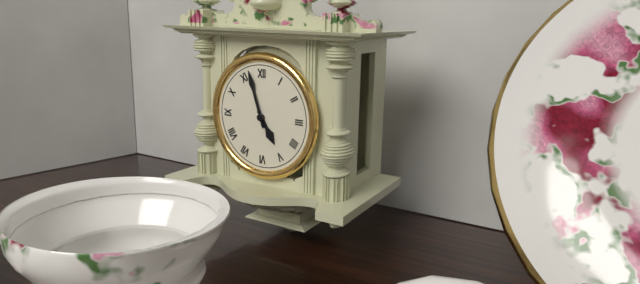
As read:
{"hour": 4, "minute": 57}
